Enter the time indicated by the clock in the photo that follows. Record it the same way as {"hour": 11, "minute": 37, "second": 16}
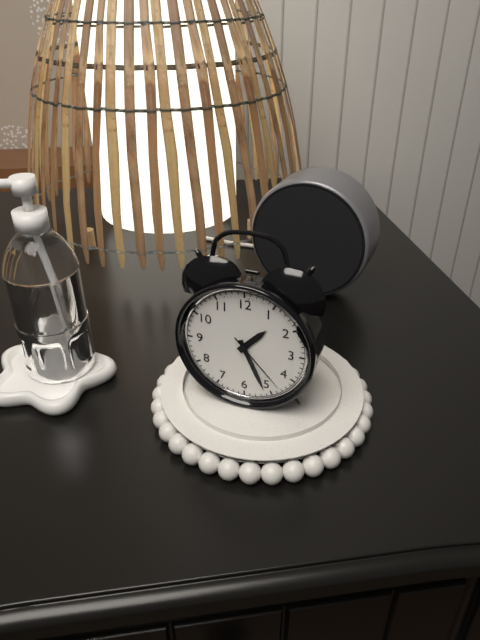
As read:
{"hour": 1, "minute": 26, "second": 23}
